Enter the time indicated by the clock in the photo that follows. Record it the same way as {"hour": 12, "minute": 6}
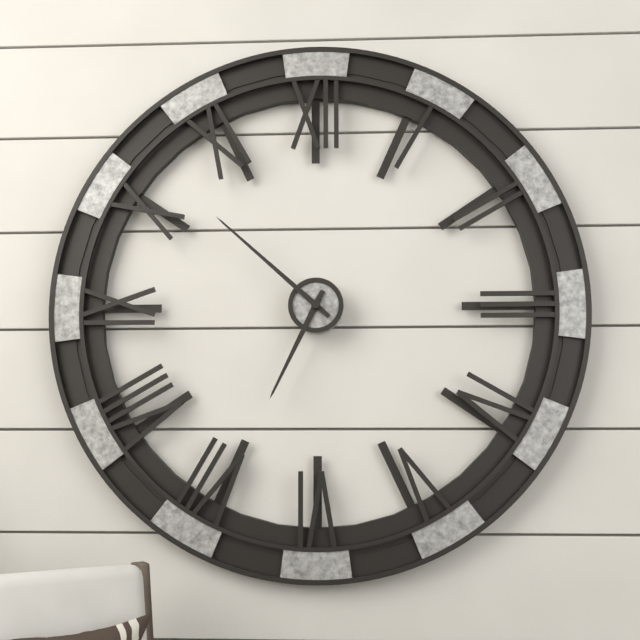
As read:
{"hour": 6, "minute": 52}
